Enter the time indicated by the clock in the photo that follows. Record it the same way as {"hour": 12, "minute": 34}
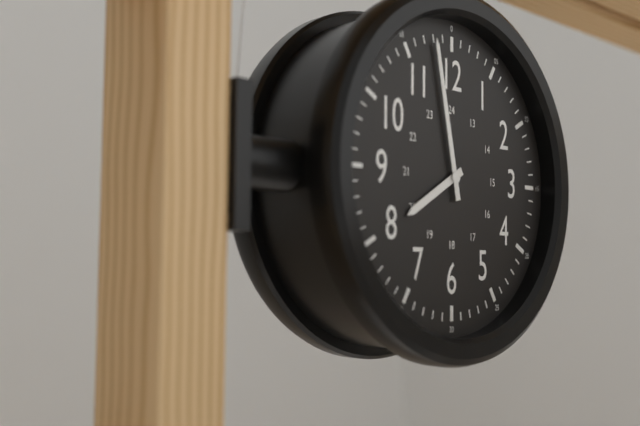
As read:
{"hour": 7, "minute": 58}
